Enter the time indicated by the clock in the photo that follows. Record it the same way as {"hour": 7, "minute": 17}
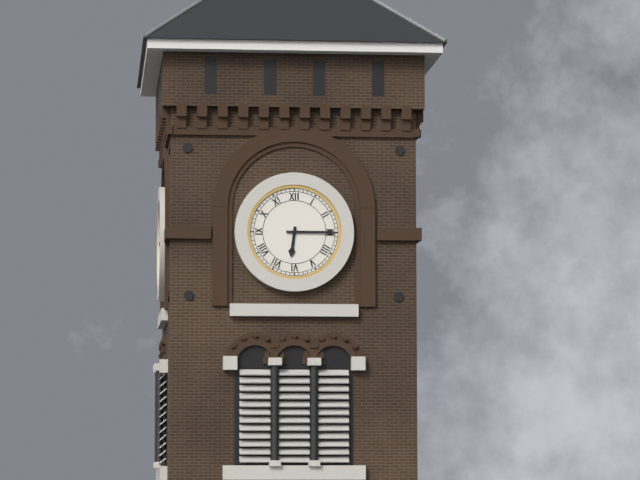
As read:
{"hour": 6, "minute": 15}
